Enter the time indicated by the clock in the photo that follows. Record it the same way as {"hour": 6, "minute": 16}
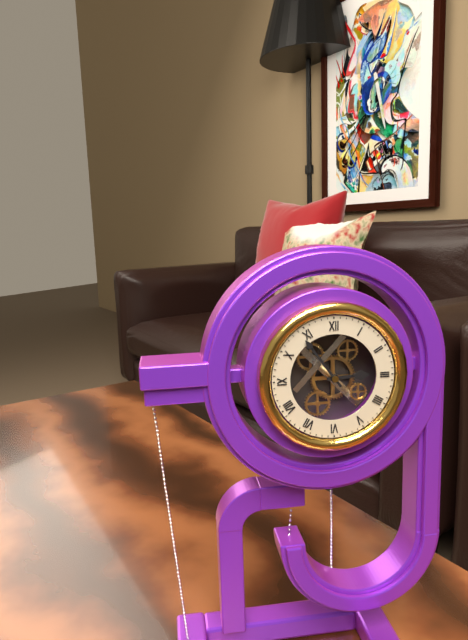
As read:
{"hour": 2, "minute": 54}
